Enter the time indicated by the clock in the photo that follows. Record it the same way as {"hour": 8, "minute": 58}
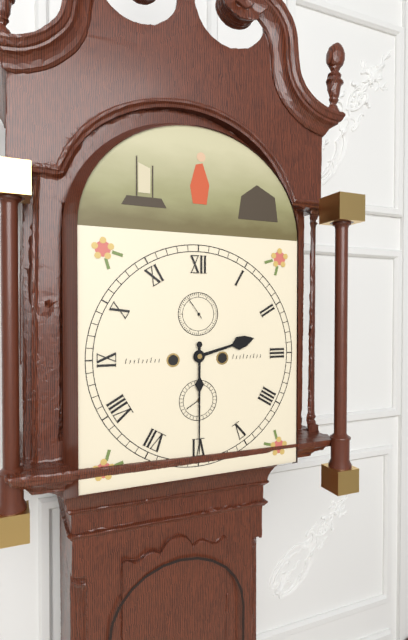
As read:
{"hour": 2, "minute": 30}
